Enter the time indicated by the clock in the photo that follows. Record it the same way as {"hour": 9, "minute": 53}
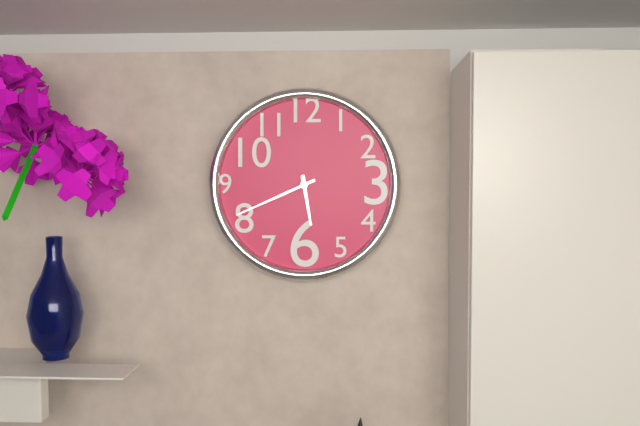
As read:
{"hour": 5, "minute": 41}
